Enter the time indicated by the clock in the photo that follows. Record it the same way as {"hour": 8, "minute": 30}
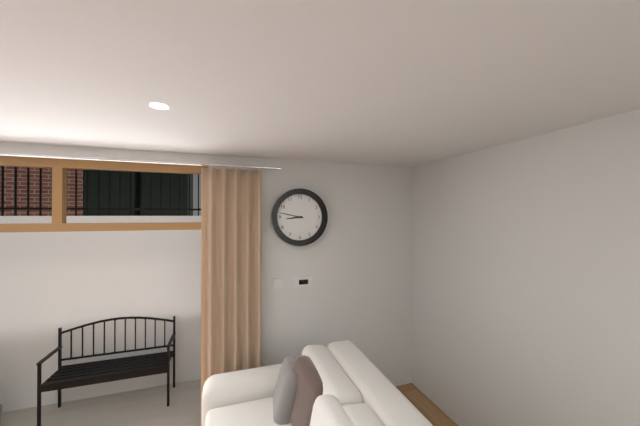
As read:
{"hour": 8, "minute": 47}
